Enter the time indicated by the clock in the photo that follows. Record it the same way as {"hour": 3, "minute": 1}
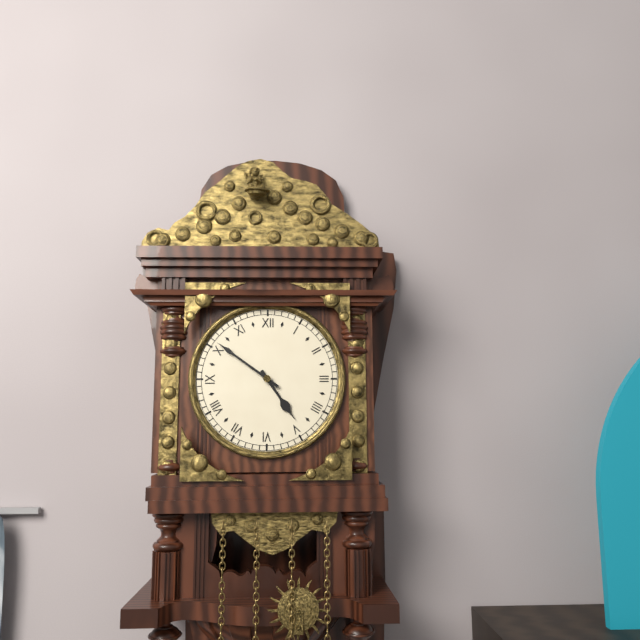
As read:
{"hour": 4, "minute": 51}
